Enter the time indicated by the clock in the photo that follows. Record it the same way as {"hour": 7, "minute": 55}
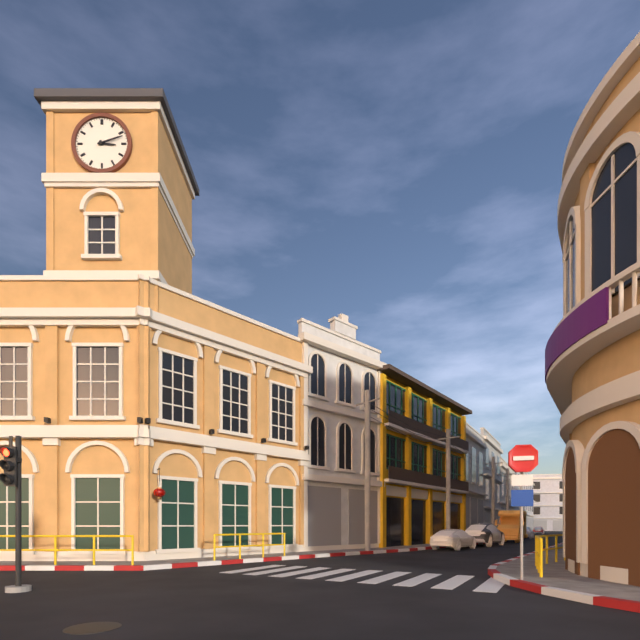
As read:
{"hour": 3, "minute": 12}
